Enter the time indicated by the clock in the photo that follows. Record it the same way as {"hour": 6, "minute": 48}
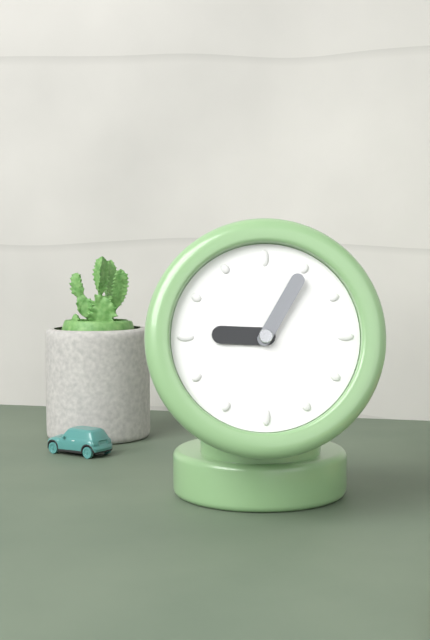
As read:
{"hour": 9, "minute": 5}
